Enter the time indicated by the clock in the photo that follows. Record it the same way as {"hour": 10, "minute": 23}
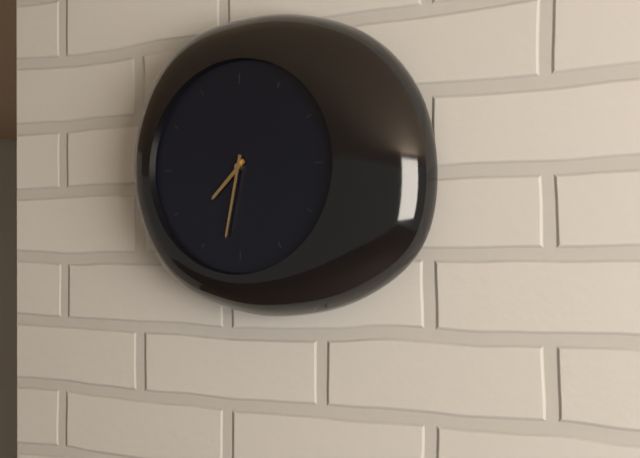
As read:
{"hour": 7, "minute": 32}
